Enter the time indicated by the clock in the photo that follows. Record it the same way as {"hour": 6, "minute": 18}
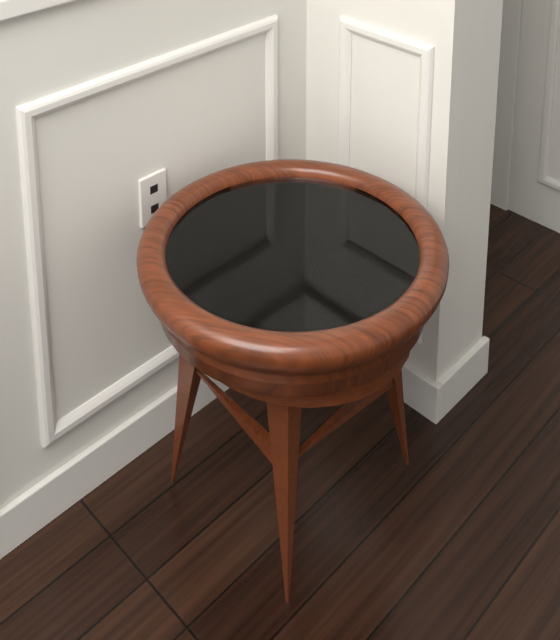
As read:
{"hour": 5, "minute": 43}
